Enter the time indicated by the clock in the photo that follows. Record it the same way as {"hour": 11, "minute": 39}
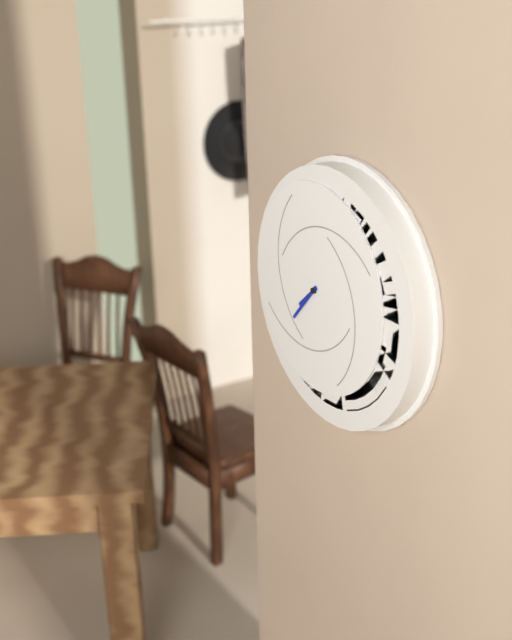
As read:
{"hour": 7, "minute": 37}
